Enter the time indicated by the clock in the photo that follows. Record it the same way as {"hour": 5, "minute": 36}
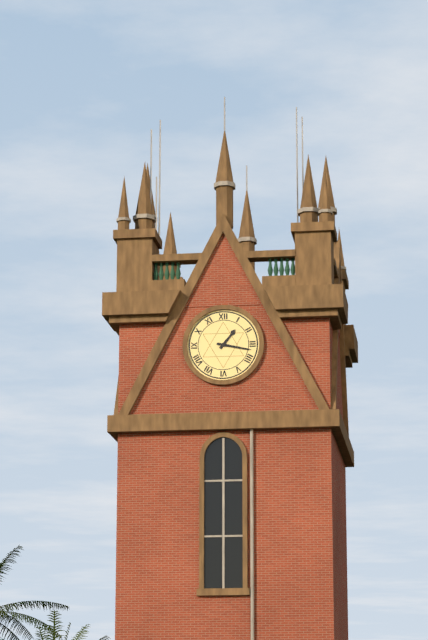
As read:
{"hour": 1, "minute": 17}
